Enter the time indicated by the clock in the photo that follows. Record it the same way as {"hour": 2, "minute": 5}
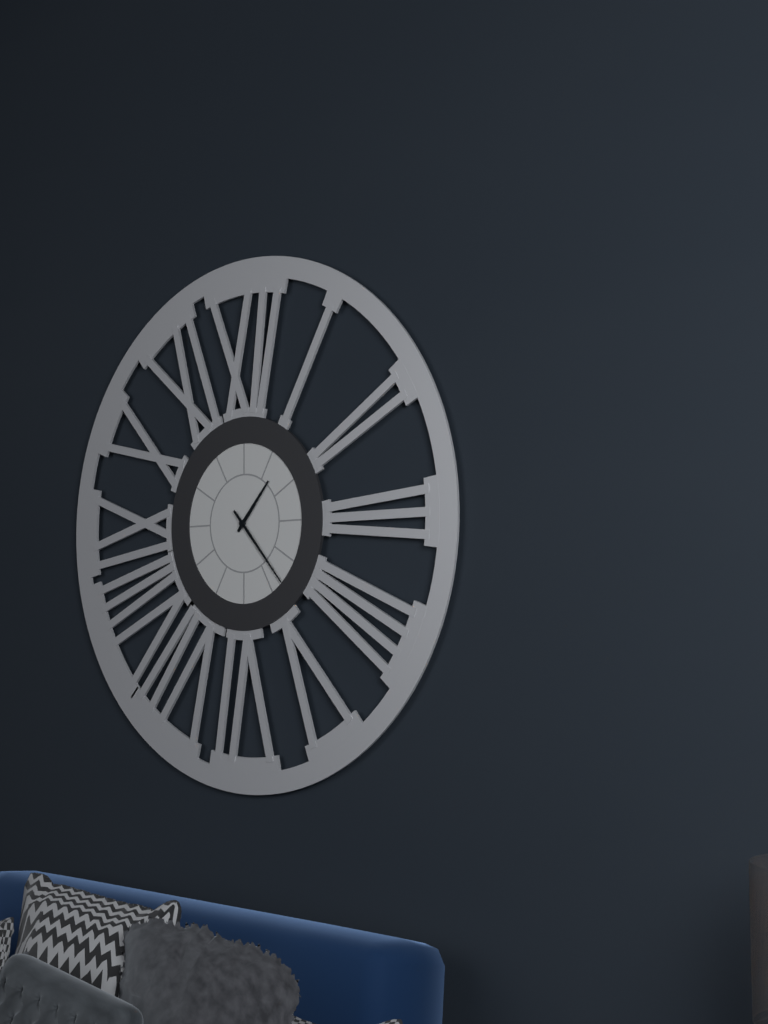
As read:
{"hour": 1, "minute": 23}
